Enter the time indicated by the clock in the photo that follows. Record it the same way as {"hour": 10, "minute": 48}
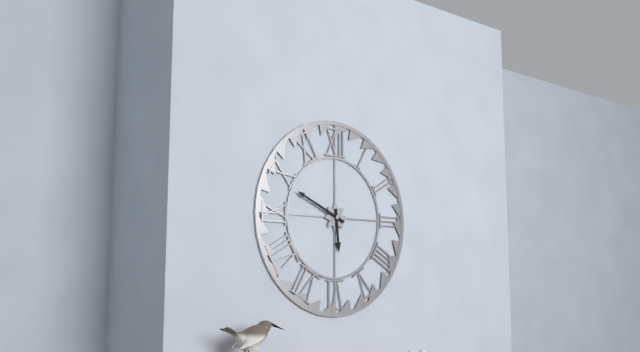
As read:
{"hour": 5, "minute": 49}
